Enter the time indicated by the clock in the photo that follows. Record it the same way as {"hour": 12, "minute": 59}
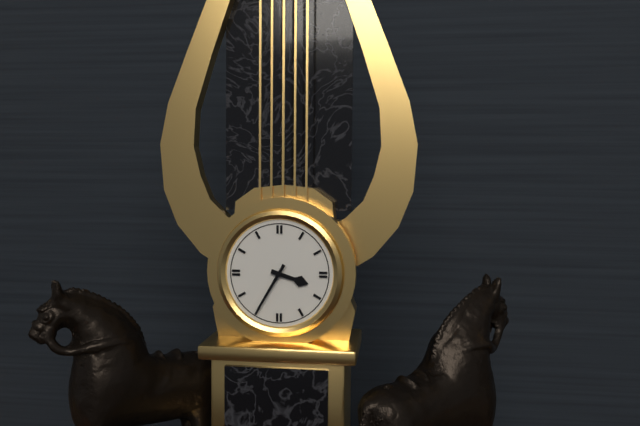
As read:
{"hour": 3, "minute": 35}
